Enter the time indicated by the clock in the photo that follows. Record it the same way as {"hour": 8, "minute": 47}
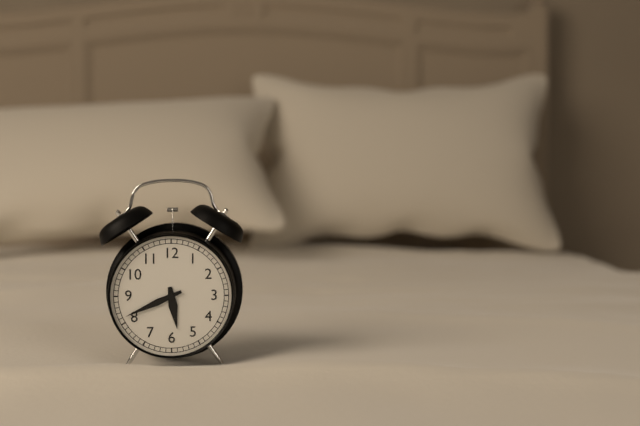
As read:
{"hour": 5, "minute": 41}
